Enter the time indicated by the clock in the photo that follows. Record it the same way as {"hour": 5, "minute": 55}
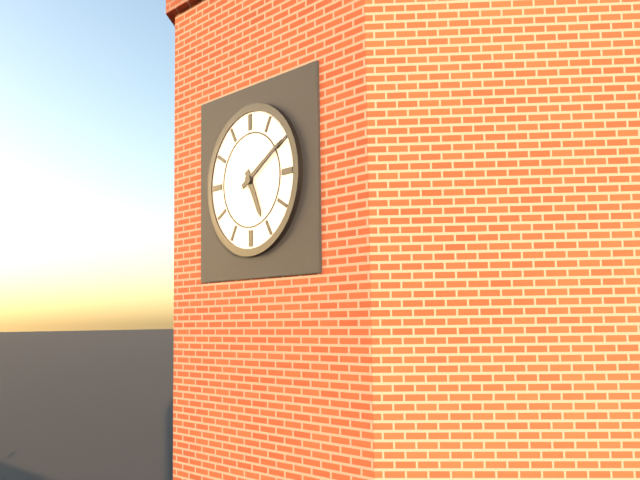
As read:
{"hour": 5, "minute": 10}
